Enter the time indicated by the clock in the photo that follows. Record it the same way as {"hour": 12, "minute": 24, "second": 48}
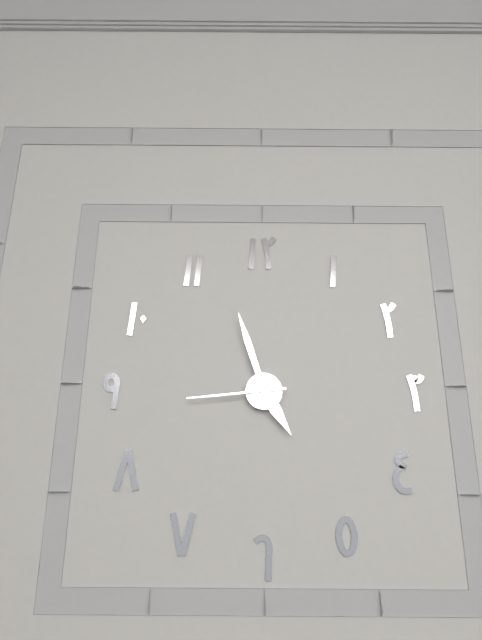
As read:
{"hour": 4, "minute": 57, "second": 44}
